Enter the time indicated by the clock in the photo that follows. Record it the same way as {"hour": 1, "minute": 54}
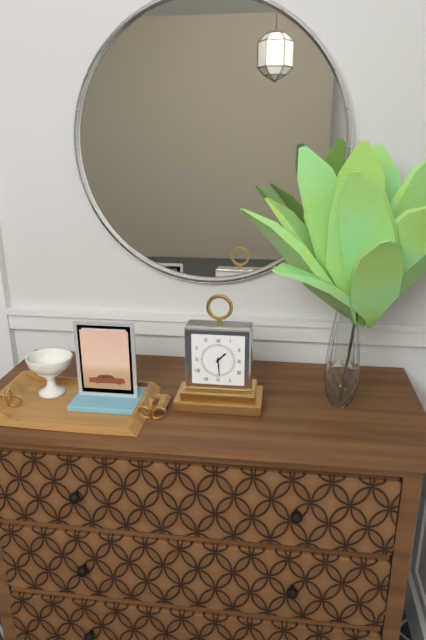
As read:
{"hour": 1, "minute": 29}
